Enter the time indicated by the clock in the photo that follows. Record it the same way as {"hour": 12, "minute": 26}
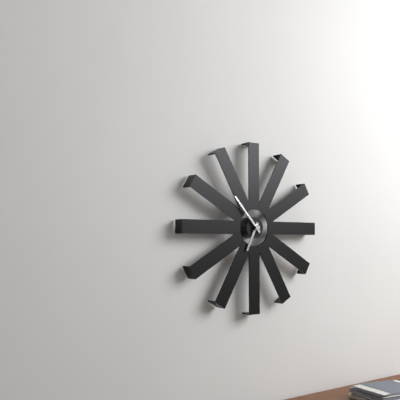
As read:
{"hour": 6, "minute": 53}
